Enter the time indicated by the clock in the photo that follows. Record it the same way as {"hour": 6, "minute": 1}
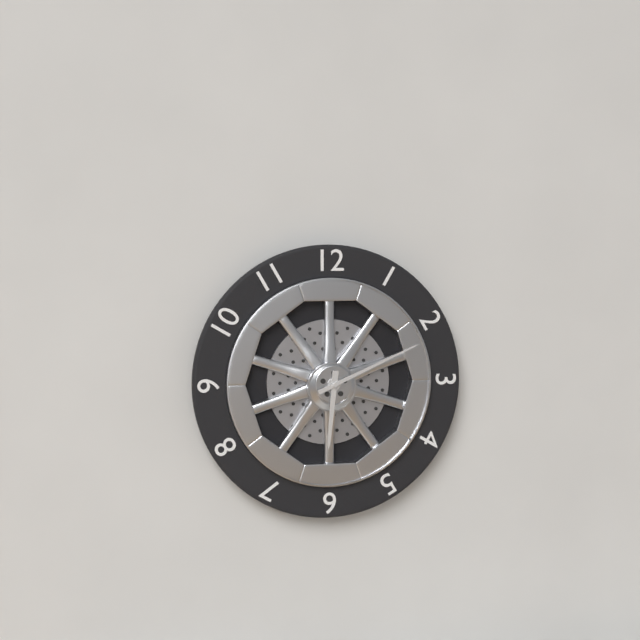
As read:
{"hour": 6, "minute": 11}
